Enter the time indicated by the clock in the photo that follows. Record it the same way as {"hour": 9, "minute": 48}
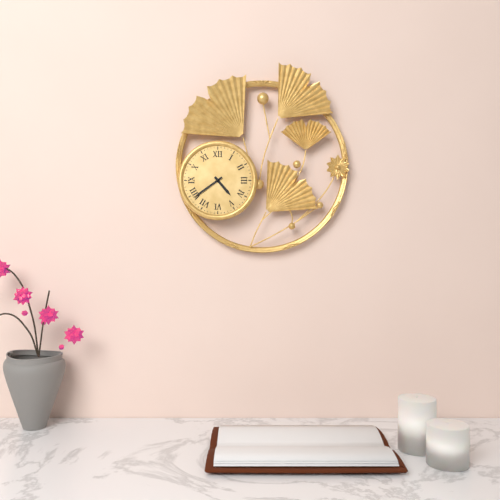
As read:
{"hour": 4, "minute": 39}
